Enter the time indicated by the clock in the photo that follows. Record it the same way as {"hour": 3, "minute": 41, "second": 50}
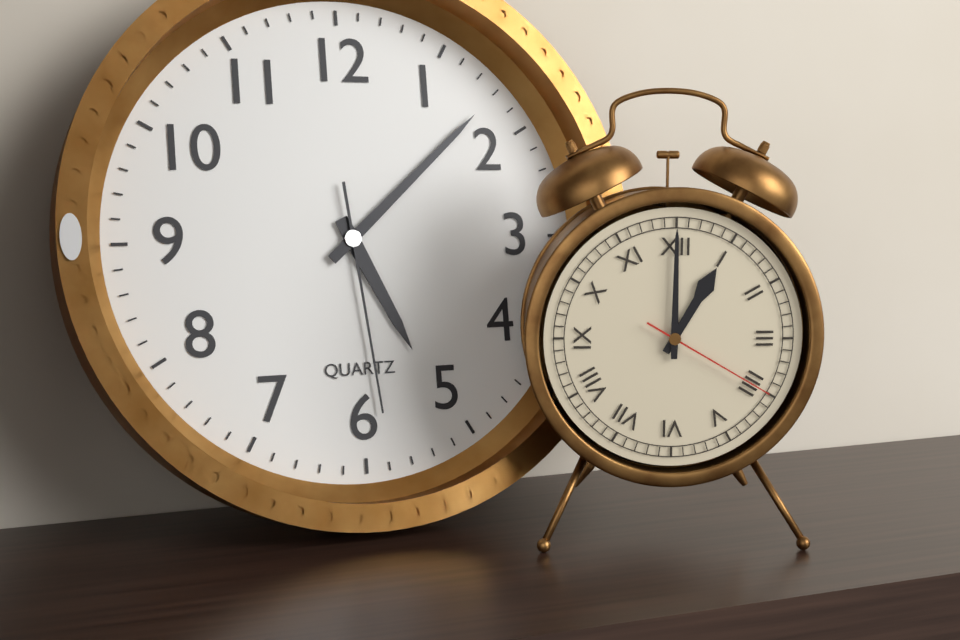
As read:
{"hour": 5, "minute": 8, "second": 29}
